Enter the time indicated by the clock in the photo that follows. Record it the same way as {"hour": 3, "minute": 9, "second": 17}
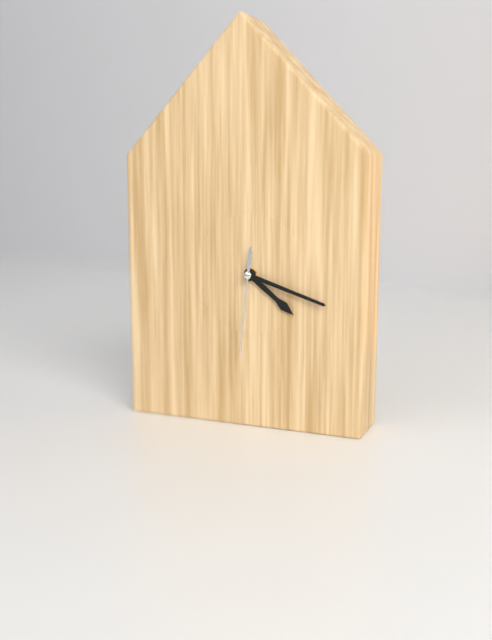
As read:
{"hour": 4, "minute": 18, "second": 31}
